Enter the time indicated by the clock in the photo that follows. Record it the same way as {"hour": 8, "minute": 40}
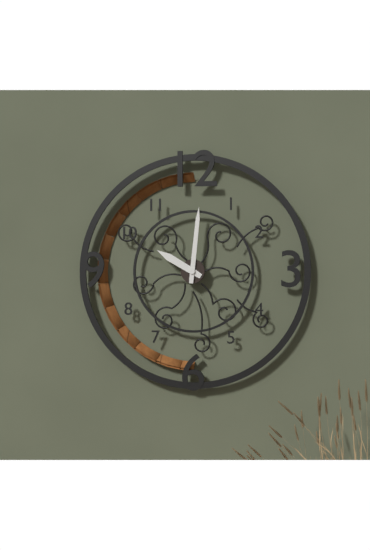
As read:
{"hour": 10, "minute": 1}
